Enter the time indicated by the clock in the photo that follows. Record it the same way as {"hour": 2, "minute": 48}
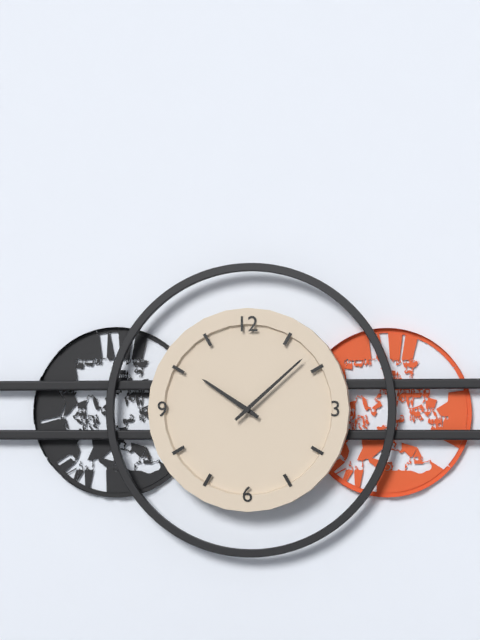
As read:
{"hour": 10, "minute": 8}
